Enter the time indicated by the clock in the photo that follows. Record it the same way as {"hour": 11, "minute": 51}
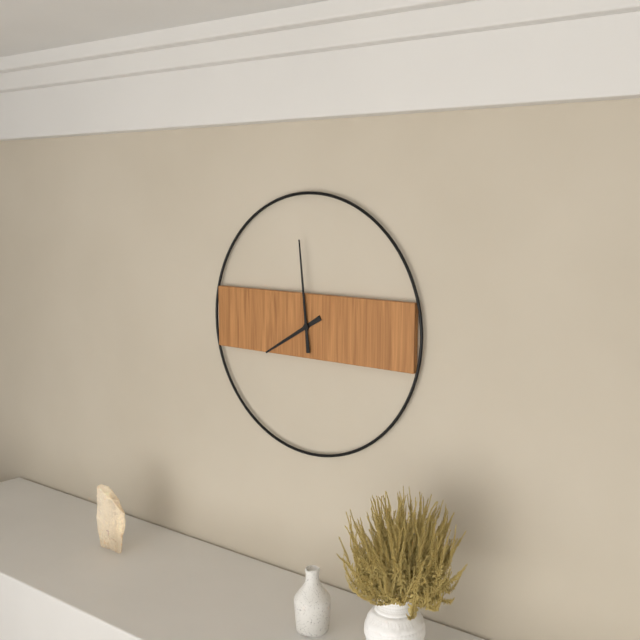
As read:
{"hour": 7, "minute": 59}
